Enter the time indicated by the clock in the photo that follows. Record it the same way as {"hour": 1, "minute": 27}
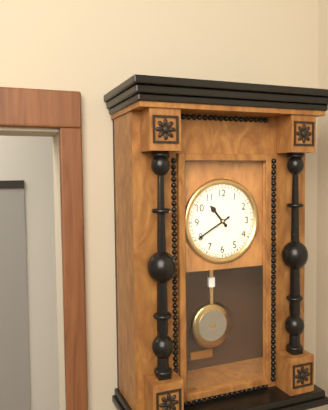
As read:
{"hour": 10, "minute": 40}
